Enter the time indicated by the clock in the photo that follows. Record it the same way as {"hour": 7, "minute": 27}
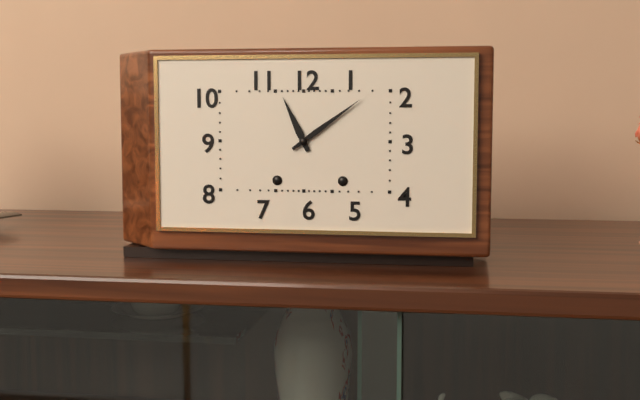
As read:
{"hour": 11, "minute": 9}
